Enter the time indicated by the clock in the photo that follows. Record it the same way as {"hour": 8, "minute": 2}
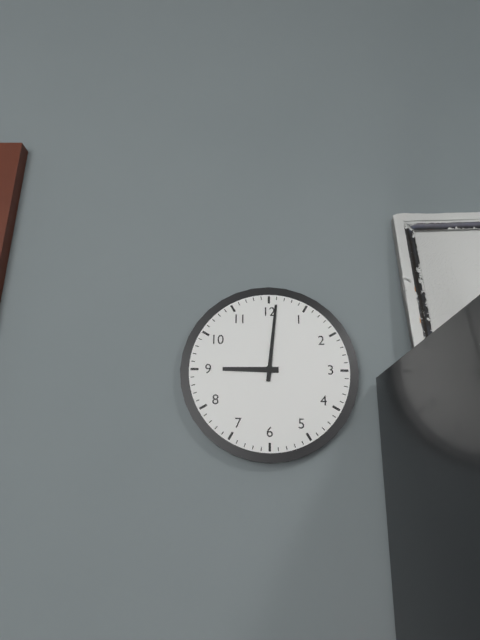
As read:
{"hour": 9, "minute": 1}
